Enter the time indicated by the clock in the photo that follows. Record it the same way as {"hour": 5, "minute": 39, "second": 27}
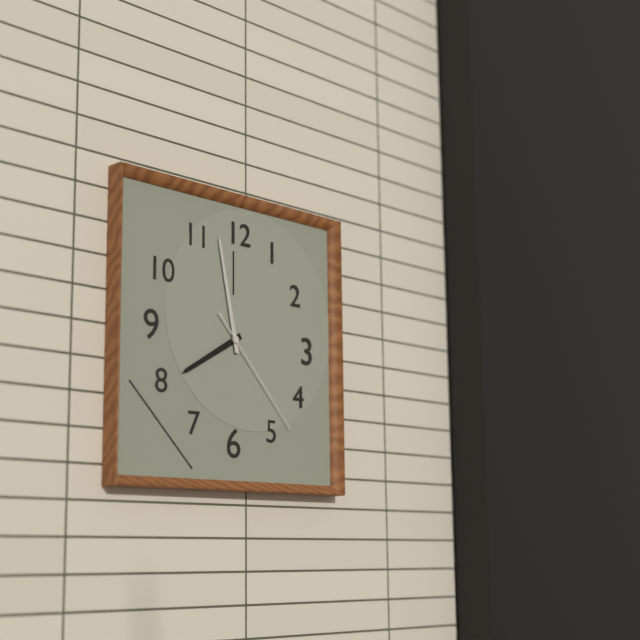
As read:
{"hour": 7, "minute": 58, "second": 23}
